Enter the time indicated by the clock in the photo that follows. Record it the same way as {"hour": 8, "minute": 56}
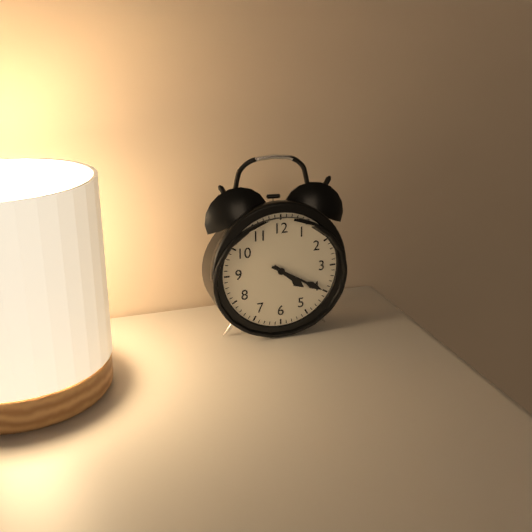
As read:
{"hour": 4, "minute": 20}
